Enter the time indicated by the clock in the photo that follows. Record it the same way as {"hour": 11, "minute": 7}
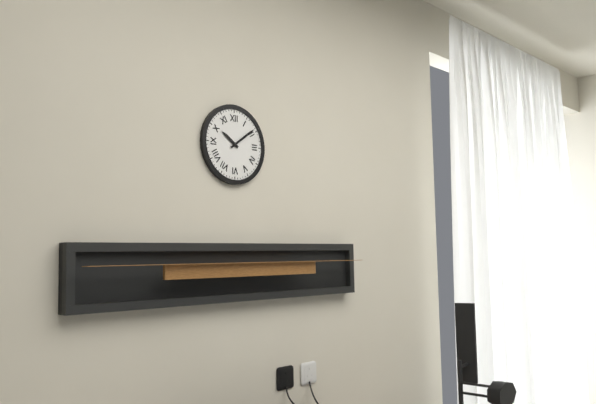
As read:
{"hour": 10, "minute": 9}
